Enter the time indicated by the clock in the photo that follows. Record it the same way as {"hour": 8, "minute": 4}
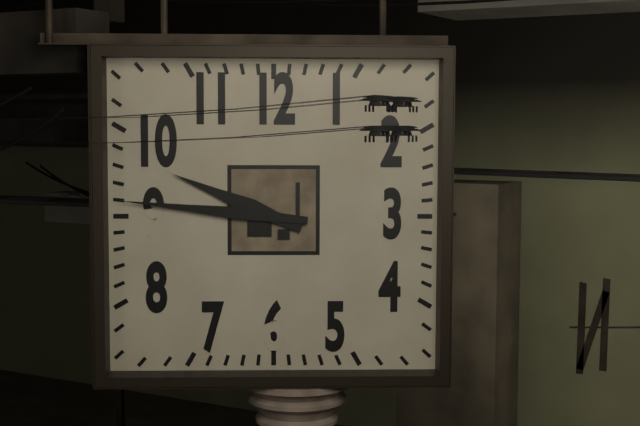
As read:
{"hour": 9, "minute": 46}
